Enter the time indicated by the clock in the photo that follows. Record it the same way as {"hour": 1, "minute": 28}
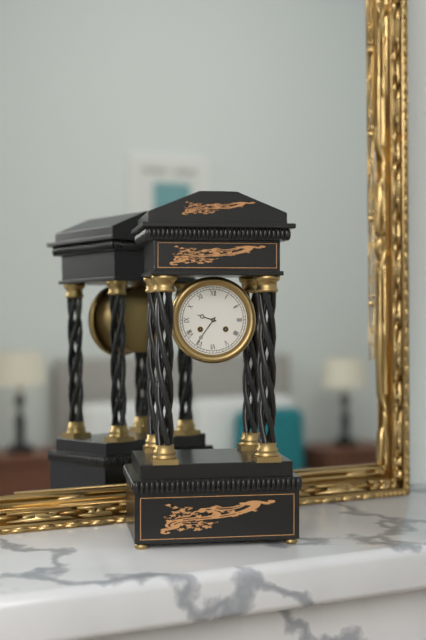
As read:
{"hour": 9, "minute": 36}
